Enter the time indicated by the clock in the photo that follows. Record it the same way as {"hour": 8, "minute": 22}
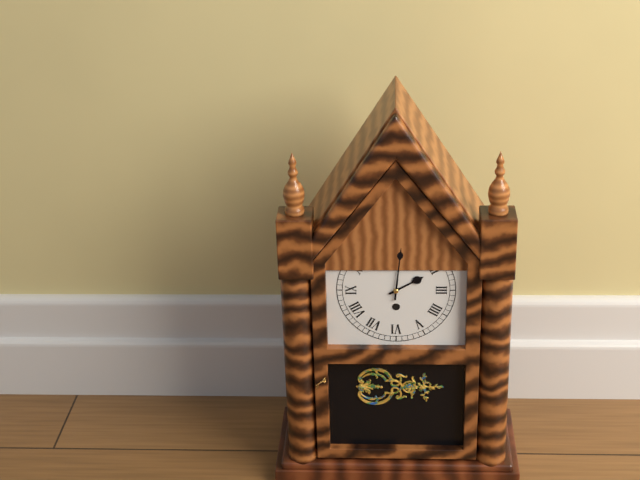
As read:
{"hour": 2, "minute": 1}
